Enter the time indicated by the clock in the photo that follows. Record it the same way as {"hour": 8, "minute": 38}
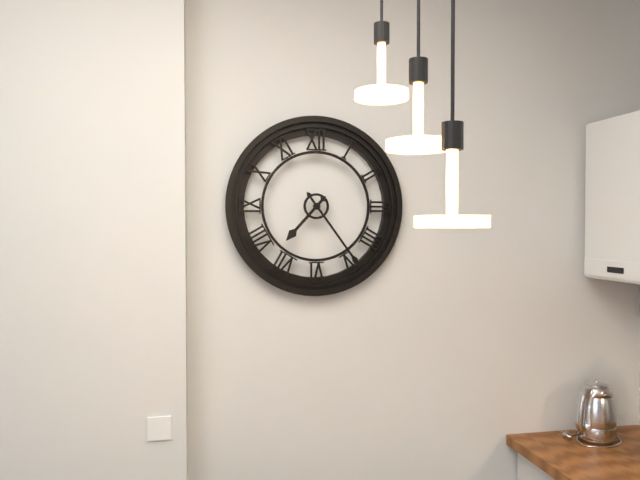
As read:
{"hour": 7, "minute": 24}
